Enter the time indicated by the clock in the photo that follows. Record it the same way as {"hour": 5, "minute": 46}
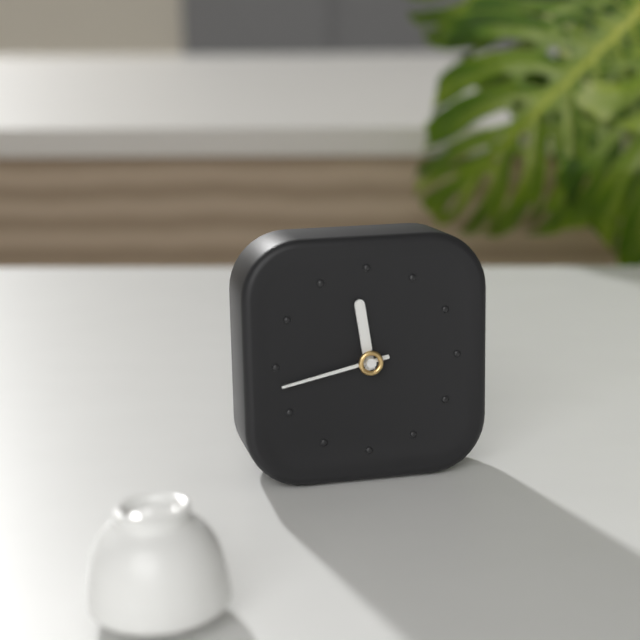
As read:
{"hour": 11, "minute": 43}
